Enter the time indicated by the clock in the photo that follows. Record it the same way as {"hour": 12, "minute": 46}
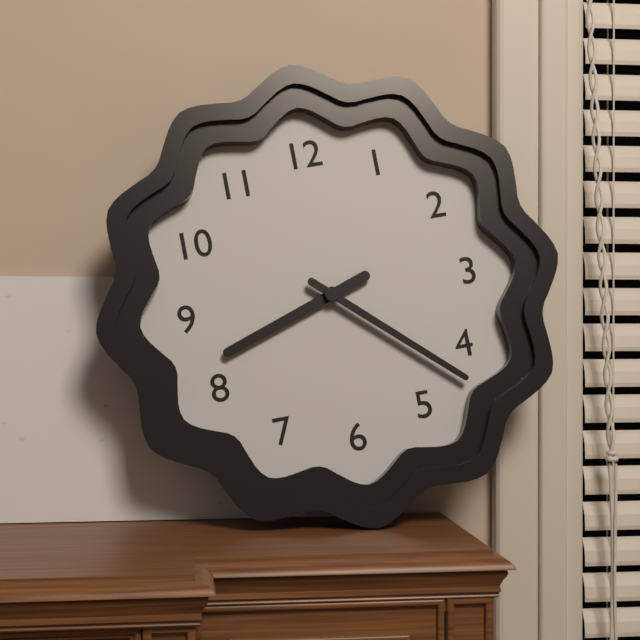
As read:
{"hour": 8, "minute": 22}
